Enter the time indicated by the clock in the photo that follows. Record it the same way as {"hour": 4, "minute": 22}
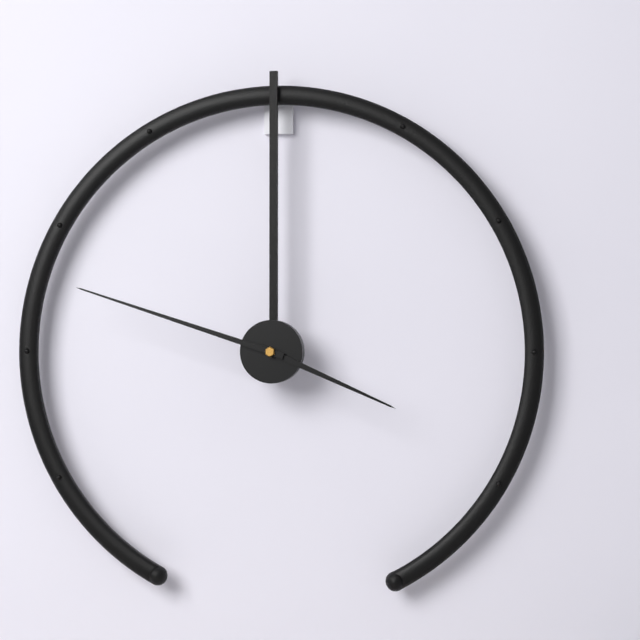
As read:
{"hour": 3, "minute": 48}
